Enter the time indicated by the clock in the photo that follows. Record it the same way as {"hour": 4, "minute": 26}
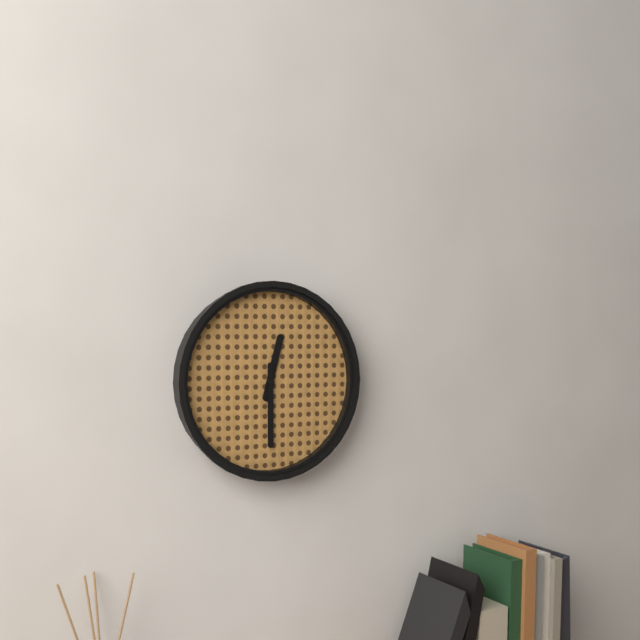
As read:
{"hour": 12, "minute": 30}
